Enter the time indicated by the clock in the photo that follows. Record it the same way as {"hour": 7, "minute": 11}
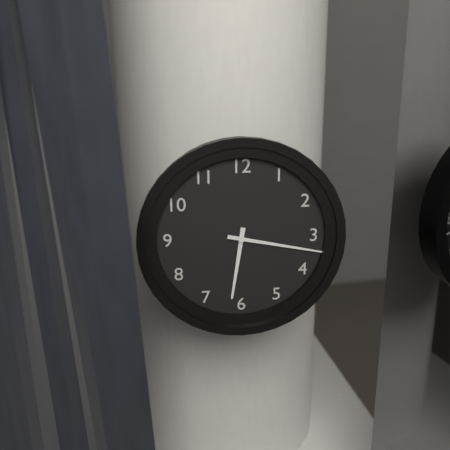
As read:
{"hour": 6, "minute": 17}
